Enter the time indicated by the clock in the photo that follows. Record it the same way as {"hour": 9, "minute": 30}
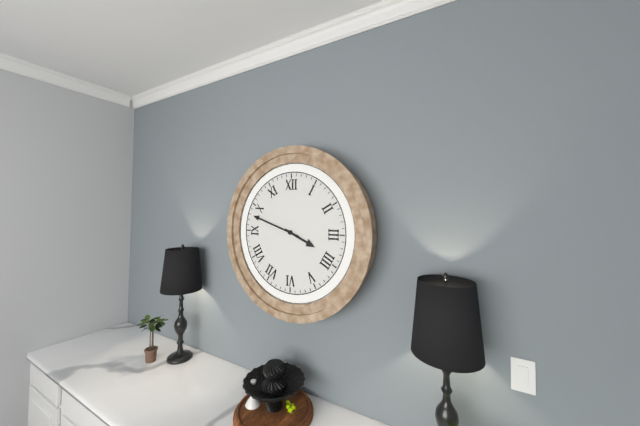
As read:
{"hour": 3, "minute": 48}
